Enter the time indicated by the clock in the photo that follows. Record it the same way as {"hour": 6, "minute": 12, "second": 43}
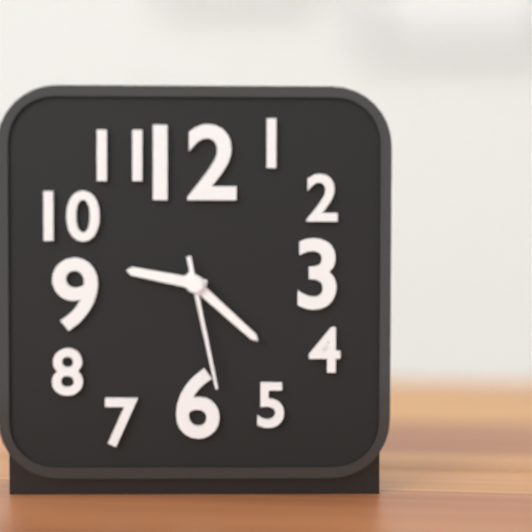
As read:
{"hour": 9, "minute": 22, "second": 28}
